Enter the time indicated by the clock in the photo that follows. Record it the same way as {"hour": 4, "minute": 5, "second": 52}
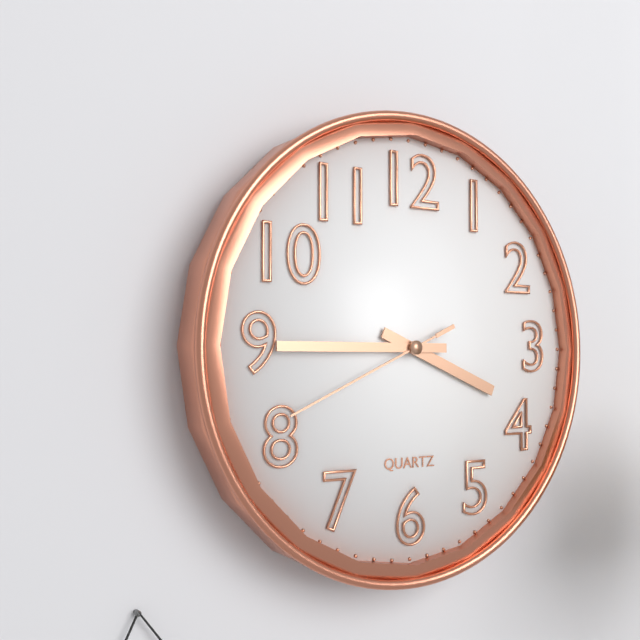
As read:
{"hour": 3, "minute": 45, "second": 41}
